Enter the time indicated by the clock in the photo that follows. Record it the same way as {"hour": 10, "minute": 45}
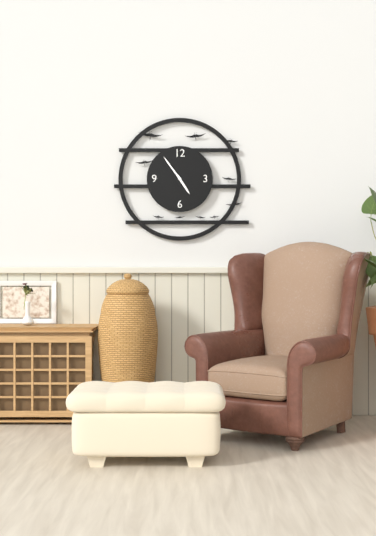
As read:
{"hour": 4, "minute": 54}
